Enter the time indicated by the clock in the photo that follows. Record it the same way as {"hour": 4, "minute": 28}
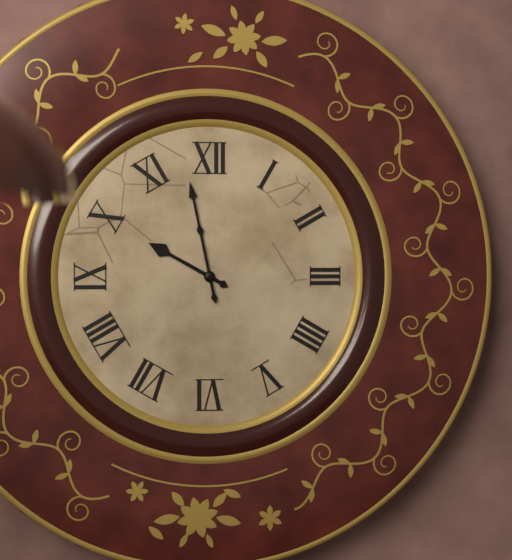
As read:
{"hour": 9, "minute": 58}
